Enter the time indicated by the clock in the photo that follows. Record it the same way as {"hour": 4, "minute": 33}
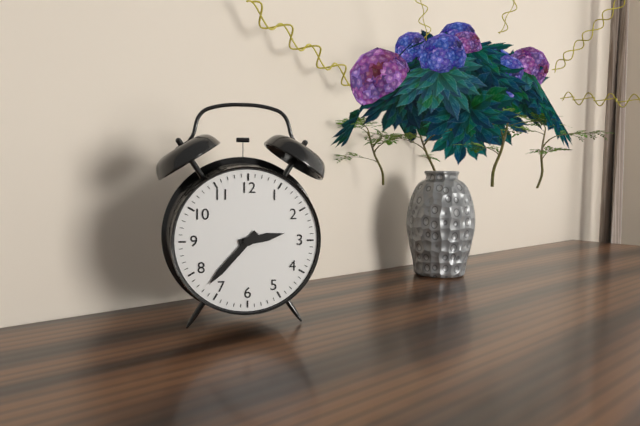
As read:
{"hour": 2, "minute": 37}
